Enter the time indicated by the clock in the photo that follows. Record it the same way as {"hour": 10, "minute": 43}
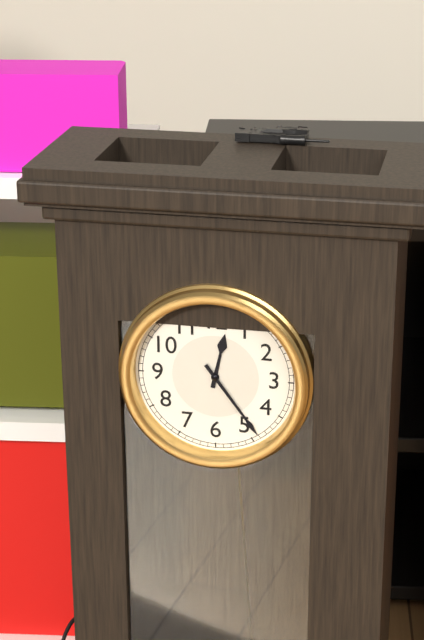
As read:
{"hour": 12, "minute": 24}
